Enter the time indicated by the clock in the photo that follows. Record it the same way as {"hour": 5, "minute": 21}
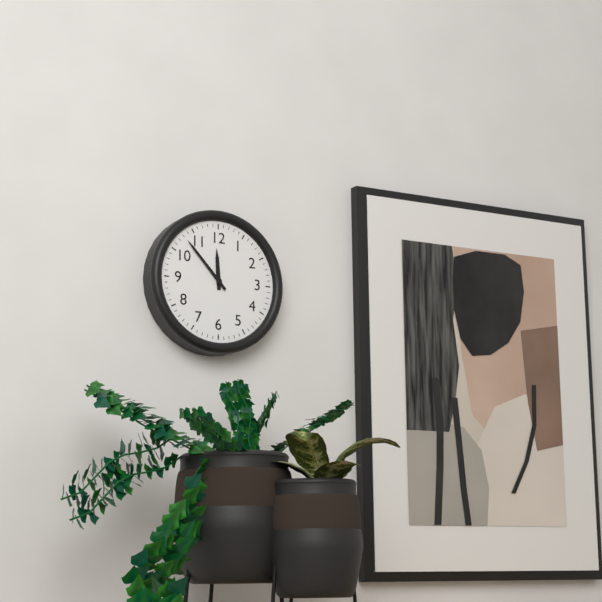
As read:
{"hour": 11, "minute": 53}
